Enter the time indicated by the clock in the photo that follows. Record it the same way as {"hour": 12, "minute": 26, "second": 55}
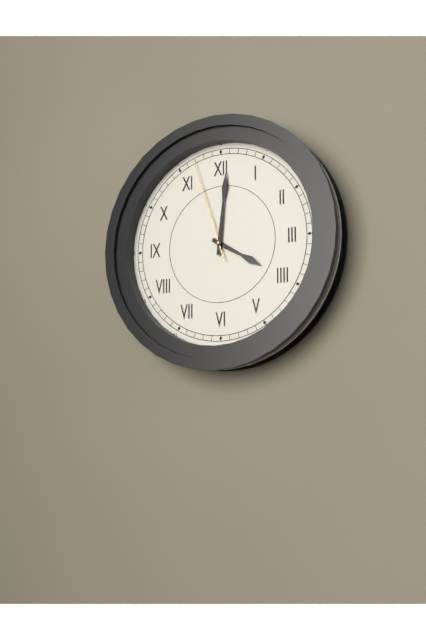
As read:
{"hour": 4, "minute": 1, "second": 57}
